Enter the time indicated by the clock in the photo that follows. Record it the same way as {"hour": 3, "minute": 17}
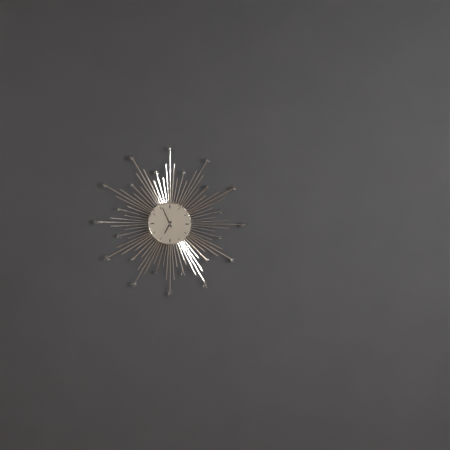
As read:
{"hour": 6, "minute": 56}
